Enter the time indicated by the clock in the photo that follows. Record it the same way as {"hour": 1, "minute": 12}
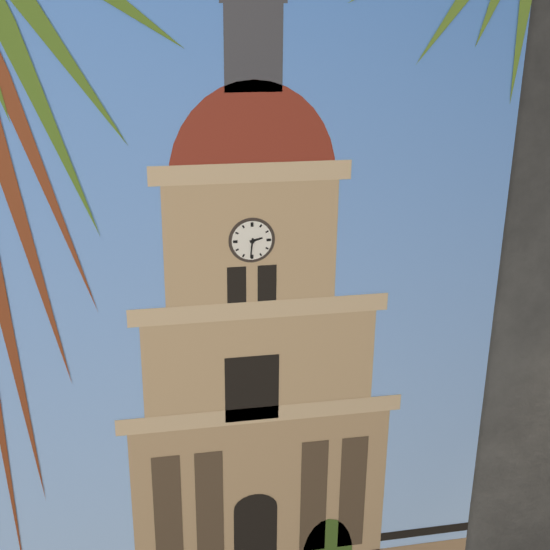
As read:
{"hour": 2, "minute": 31}
